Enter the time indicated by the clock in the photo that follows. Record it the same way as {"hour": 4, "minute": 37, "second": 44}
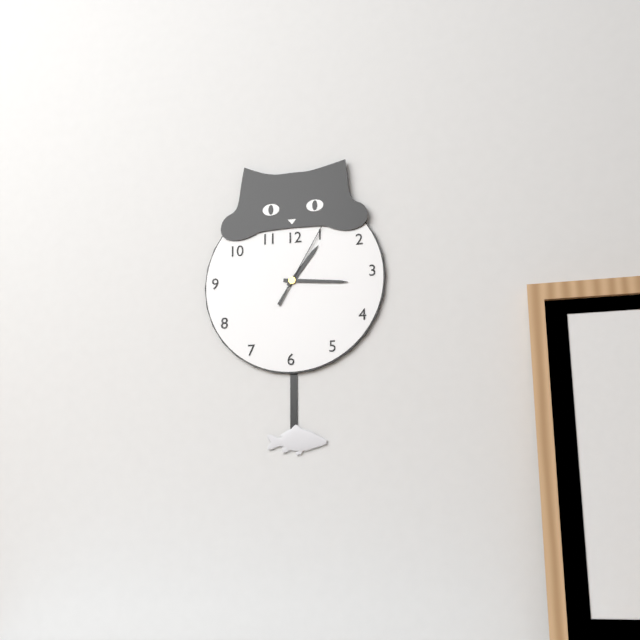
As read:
{"hour": 1, "minute": 16, "second": 5}
